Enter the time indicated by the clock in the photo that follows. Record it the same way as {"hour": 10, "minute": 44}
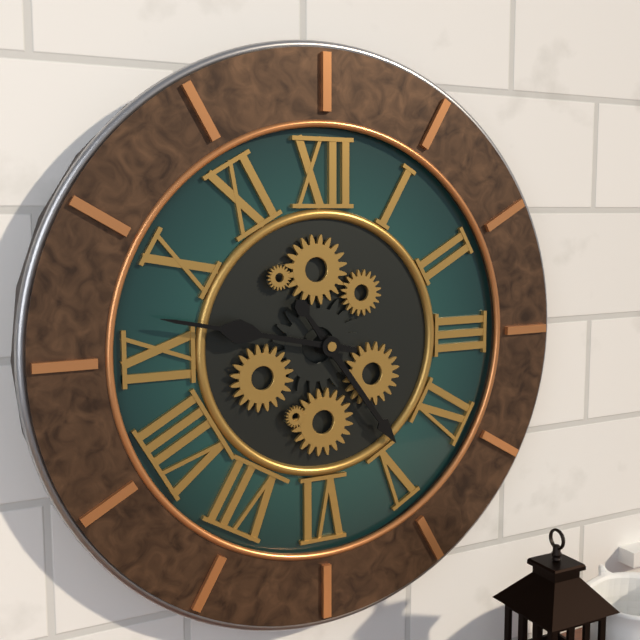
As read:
{"hour": 4, "minute": 47}
